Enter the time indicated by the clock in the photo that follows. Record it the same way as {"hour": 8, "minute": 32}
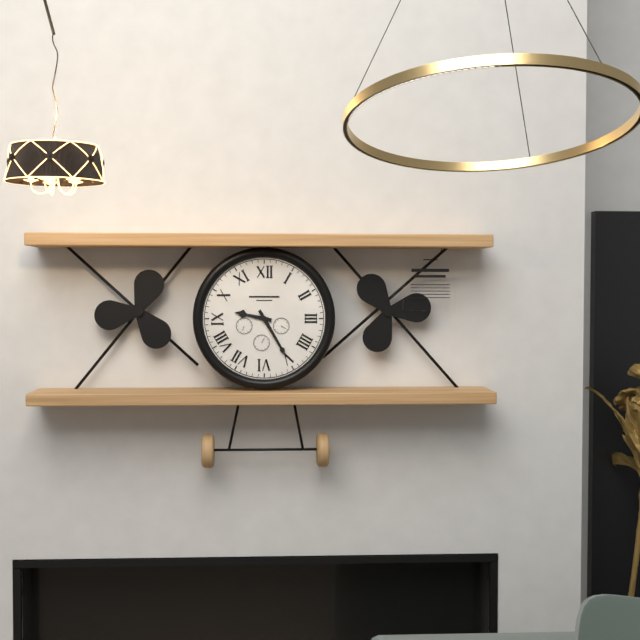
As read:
{"hour": 9, "minute": 25}
